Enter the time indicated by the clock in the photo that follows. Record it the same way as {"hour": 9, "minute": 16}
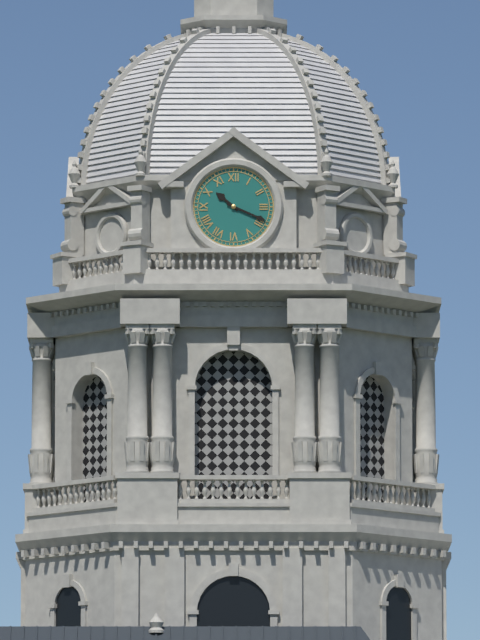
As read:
{"hour": 10, "minute": 19}
